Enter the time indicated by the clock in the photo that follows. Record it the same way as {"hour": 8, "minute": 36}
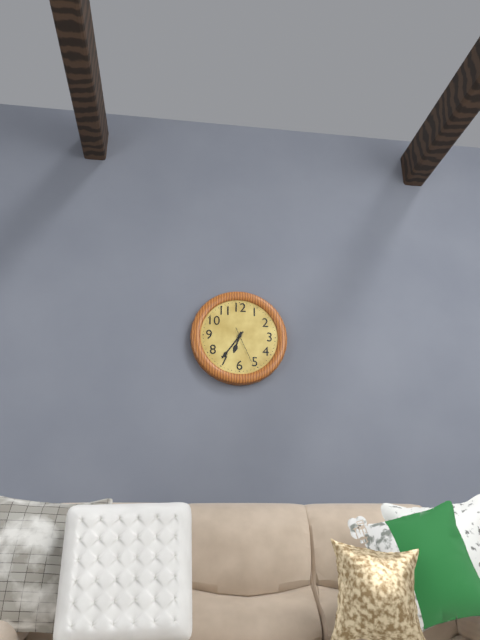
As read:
{"hour": 6, "minute": 36}
